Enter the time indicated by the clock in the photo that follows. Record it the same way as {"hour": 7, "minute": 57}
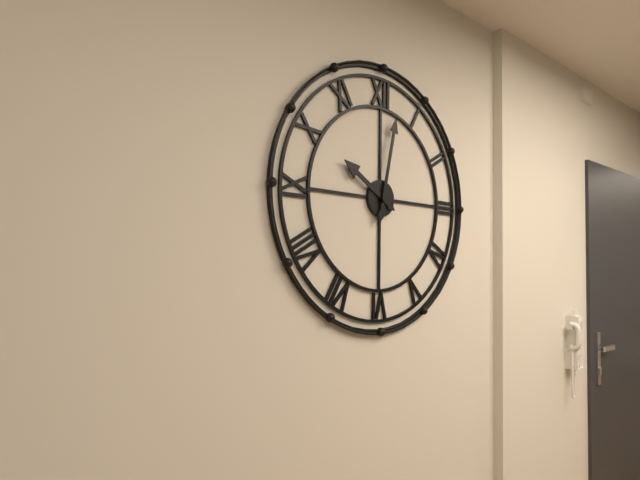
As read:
{"hour": 10, "minute": 2}
